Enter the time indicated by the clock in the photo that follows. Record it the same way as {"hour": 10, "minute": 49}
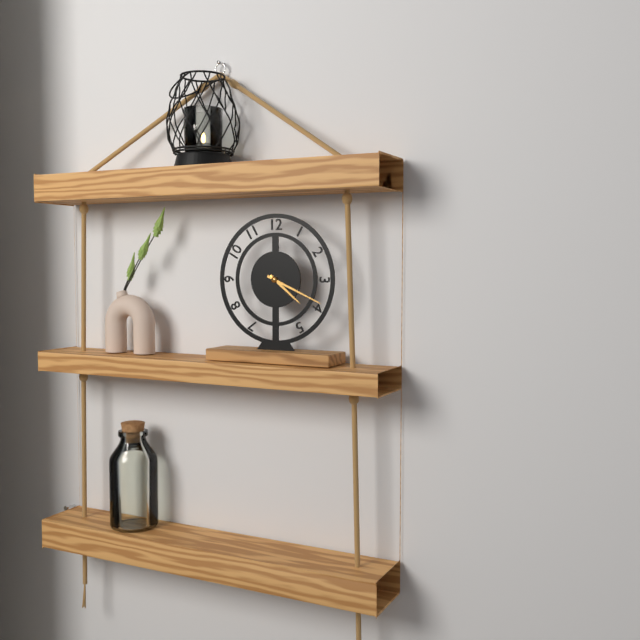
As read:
{"hour": 4, "minute": 19}
